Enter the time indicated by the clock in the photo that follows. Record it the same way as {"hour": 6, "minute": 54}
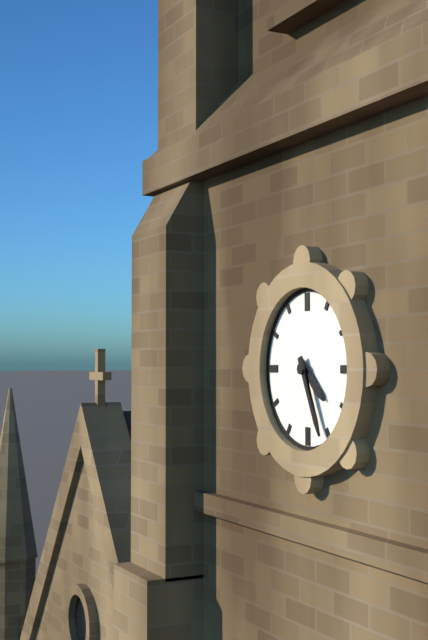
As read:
{"hour": 4, "minute": 26}
